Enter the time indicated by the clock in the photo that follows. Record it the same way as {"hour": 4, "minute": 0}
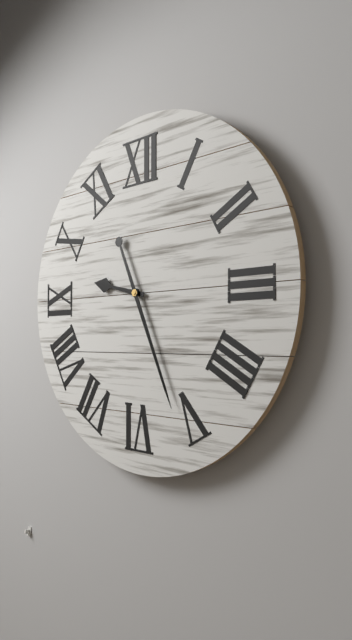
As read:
{"hour": 9, "minute": 26}
